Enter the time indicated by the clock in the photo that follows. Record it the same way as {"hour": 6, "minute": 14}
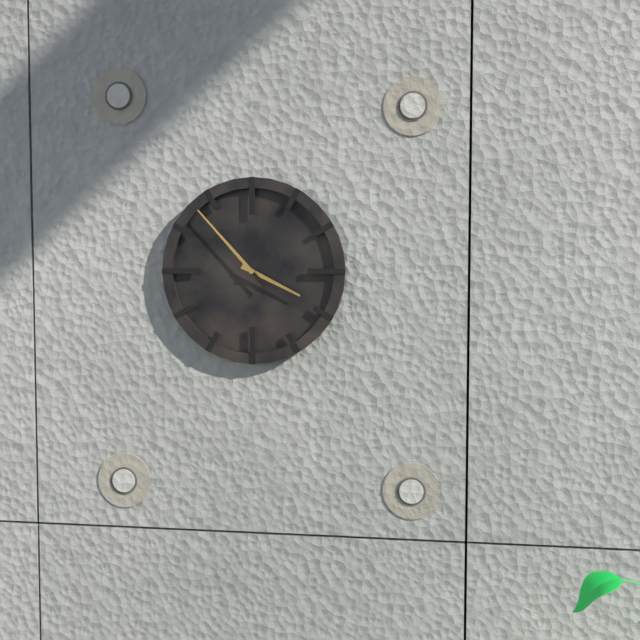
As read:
{"hour": 3, "minute": 53}
